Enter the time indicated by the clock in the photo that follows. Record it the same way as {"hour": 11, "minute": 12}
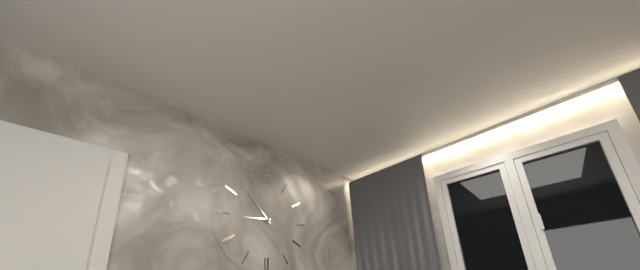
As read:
{"hour": 8, "minute": 53}
